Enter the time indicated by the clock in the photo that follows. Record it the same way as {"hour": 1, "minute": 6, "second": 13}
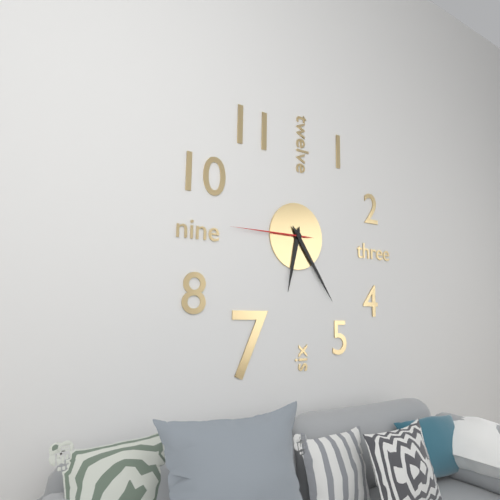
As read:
{"hour": 6, "minute": 24, "second": 45}
